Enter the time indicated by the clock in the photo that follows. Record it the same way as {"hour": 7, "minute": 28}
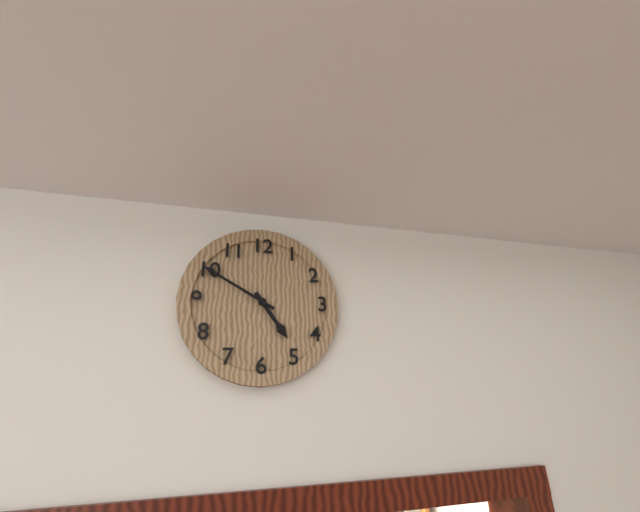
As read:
{"hour": 4, "minute": 50}
